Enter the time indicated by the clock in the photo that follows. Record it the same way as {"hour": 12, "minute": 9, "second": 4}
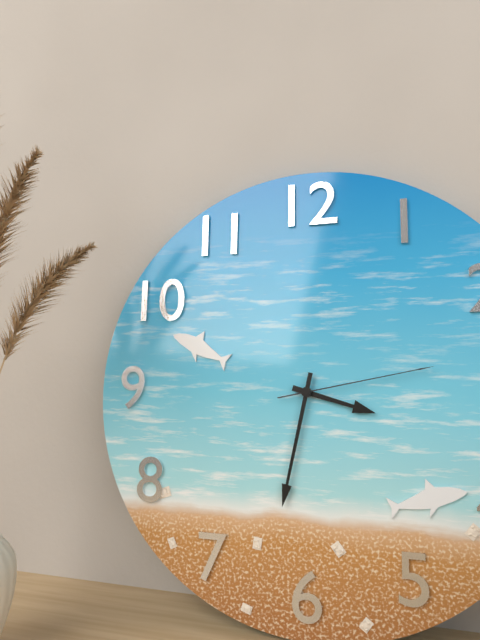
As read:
{"hour": 3, "minute": 32, "second": 13}
